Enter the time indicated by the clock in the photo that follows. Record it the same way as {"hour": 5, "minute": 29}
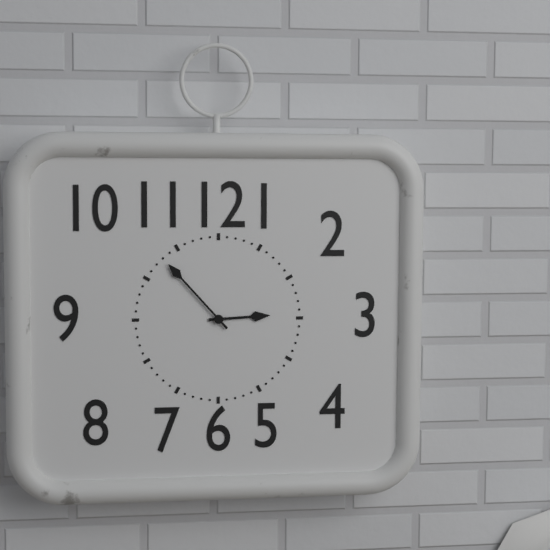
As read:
{"hour": 2, "minute": 53}
